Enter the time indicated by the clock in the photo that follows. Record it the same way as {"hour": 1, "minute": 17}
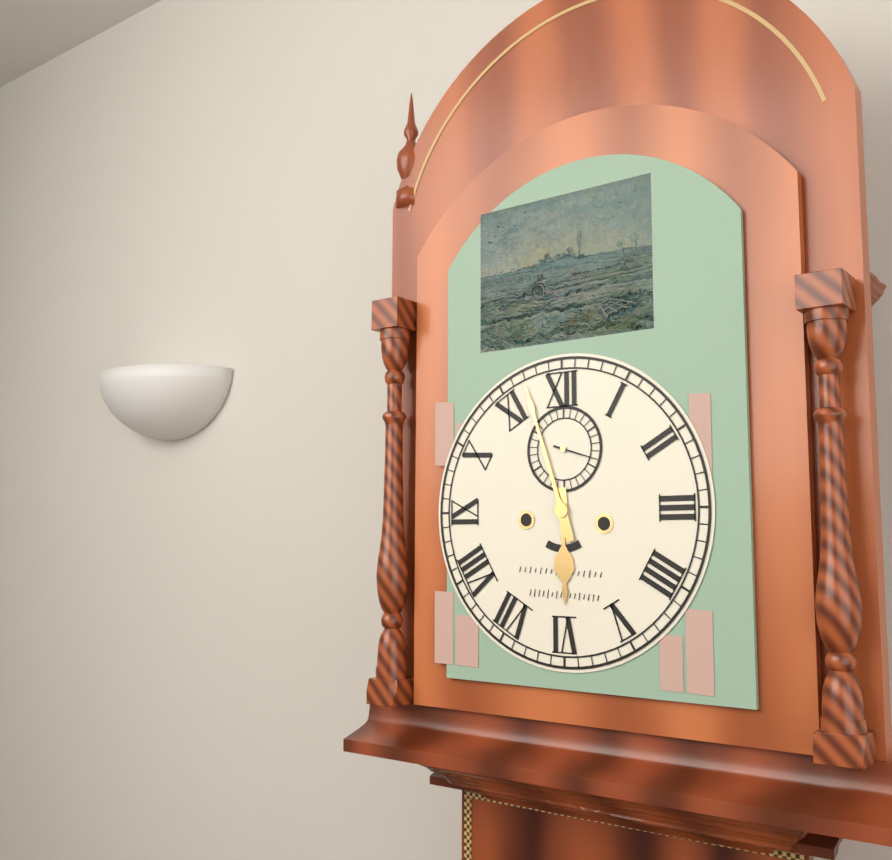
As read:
{"hour": 5, "minute": 57}
